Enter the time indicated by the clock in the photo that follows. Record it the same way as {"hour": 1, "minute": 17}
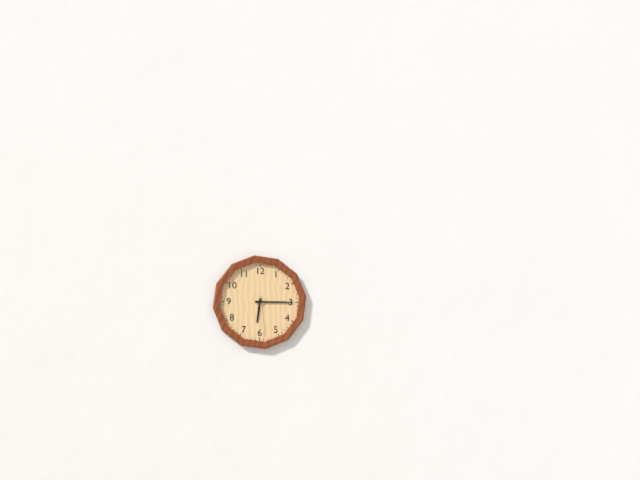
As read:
{"hour": 6, "minute": 15}
